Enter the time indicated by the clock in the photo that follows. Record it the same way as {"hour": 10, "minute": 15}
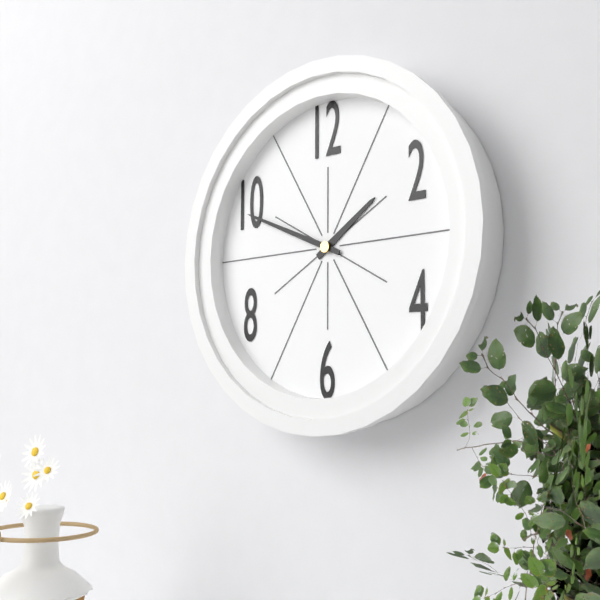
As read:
{"hour": 1, "minute": 49}
